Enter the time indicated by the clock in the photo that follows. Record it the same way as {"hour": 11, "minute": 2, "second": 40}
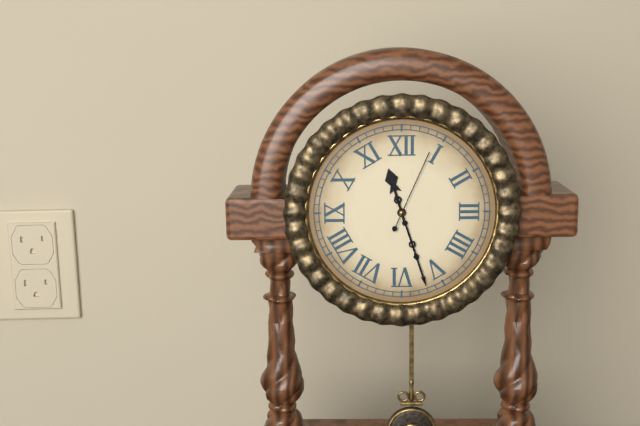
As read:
{"hour": 11, "minute": 27, "second": 4}
